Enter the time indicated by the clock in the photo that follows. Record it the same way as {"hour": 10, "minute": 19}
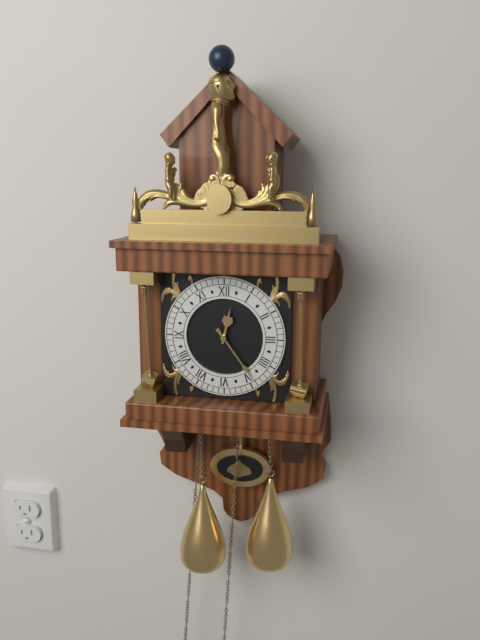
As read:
{"hour": 12, "minute": 24}
